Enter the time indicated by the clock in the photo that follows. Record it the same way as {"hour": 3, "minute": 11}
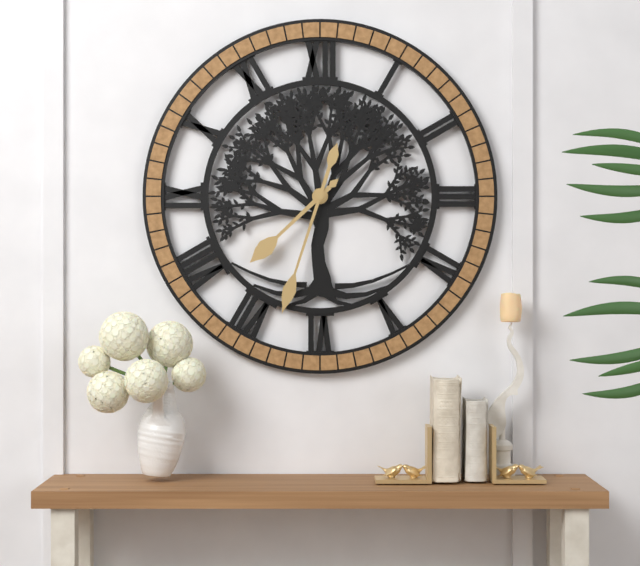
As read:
{"hour": 7, "minute": 33}
